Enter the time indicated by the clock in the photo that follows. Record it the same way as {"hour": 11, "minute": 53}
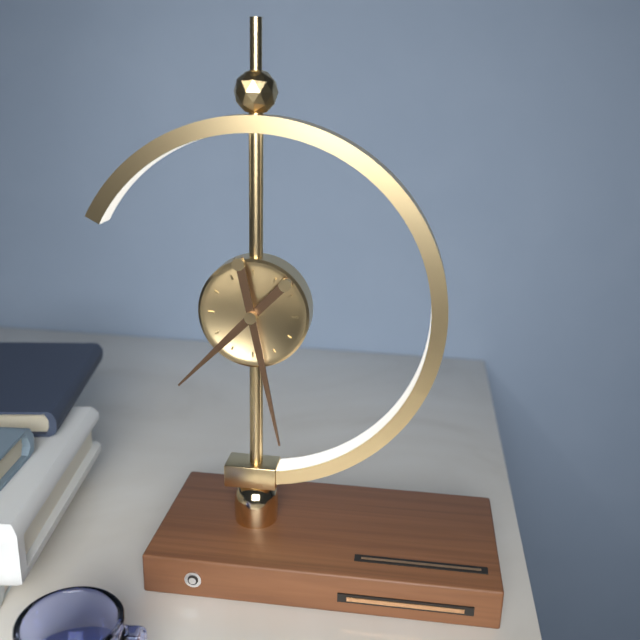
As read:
{"hour": 7, "minute": 28}
